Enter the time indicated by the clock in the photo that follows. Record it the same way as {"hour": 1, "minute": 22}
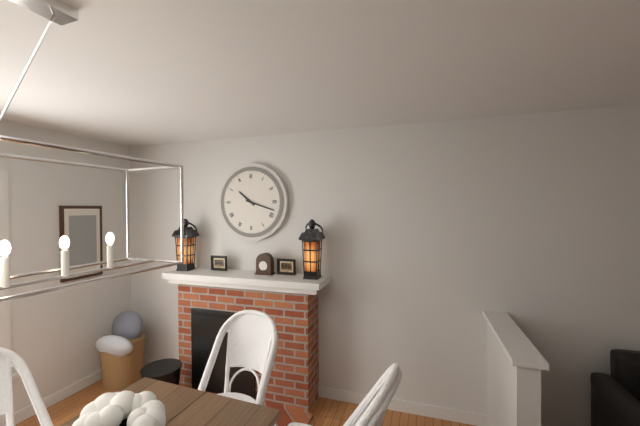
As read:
{"hour": 10, "minute": 18}
